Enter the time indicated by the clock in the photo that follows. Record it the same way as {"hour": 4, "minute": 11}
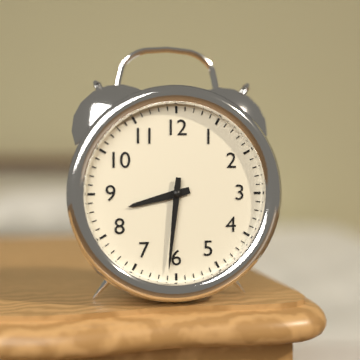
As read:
{"hour": 8, "minute": 31}
